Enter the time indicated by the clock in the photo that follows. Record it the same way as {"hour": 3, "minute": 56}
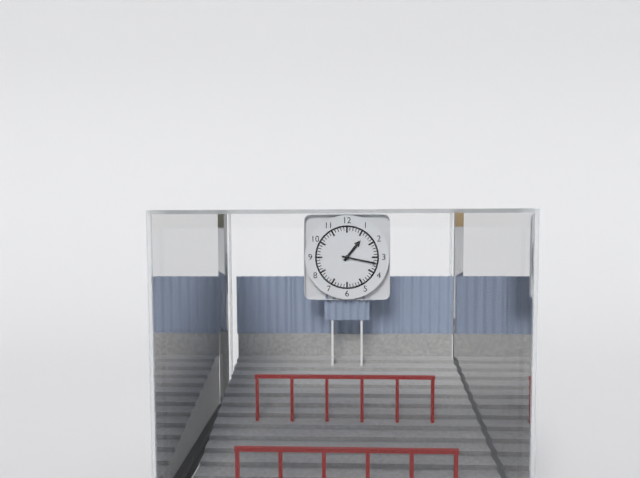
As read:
{"hour": 1, "minute": 17}
